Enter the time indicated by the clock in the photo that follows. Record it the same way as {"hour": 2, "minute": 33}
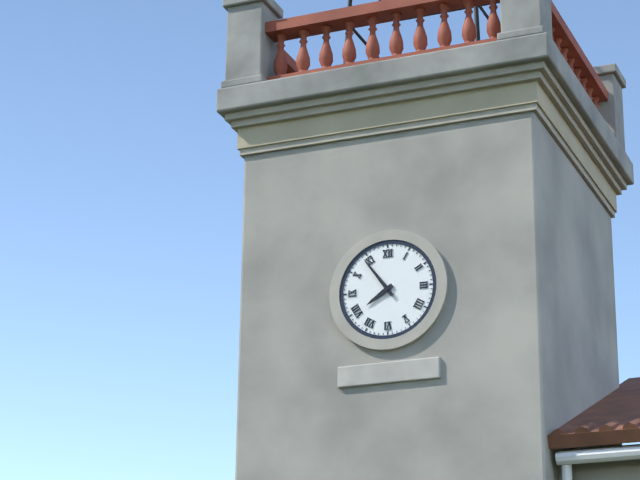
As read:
{"hour": 7, "minute": 54}
